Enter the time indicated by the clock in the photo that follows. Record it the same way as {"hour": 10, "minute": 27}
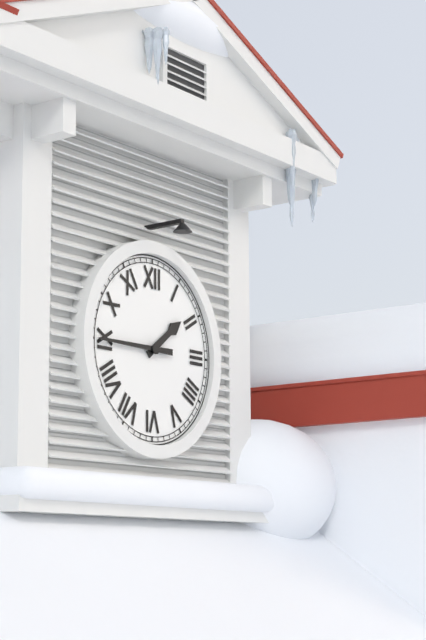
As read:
{"hour": 1, "minute": 45}
